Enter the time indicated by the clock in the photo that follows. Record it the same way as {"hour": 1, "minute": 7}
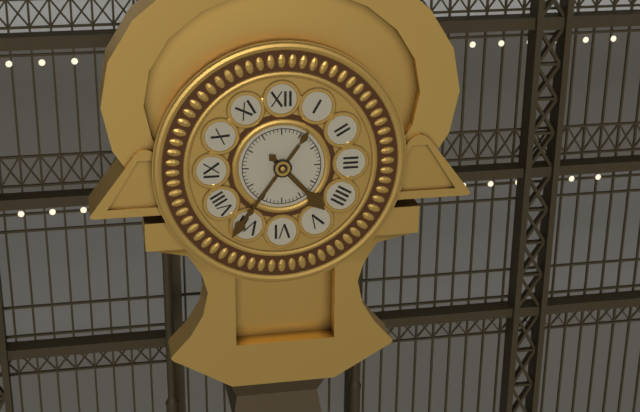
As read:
{"hour": 4, "minute": 36}
